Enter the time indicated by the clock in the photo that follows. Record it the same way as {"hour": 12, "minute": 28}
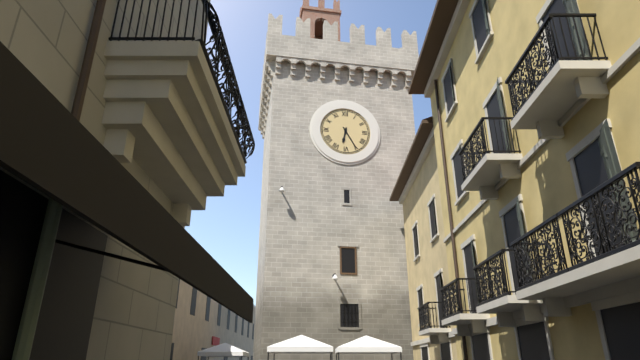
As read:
{"hour": 6, "minute": 25}
